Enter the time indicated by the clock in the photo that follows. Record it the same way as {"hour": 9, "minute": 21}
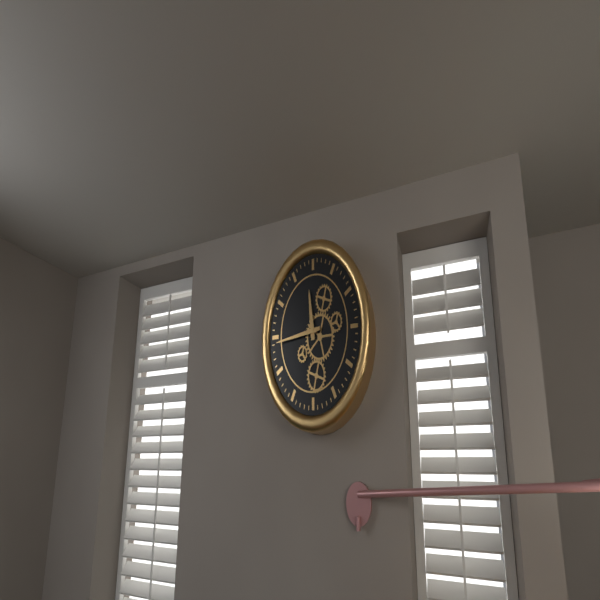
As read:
{"hour": 11, "minute": 44}
